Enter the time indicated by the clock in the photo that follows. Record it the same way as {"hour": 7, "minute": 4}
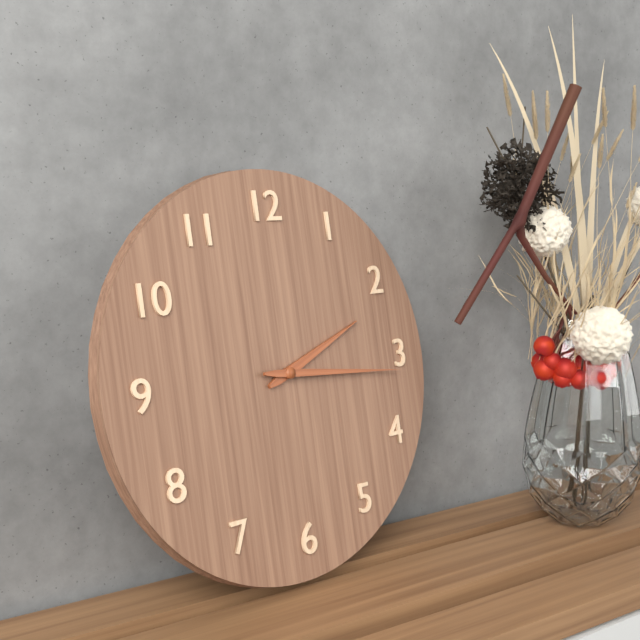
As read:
{"hour": 2, "minute": 16}
